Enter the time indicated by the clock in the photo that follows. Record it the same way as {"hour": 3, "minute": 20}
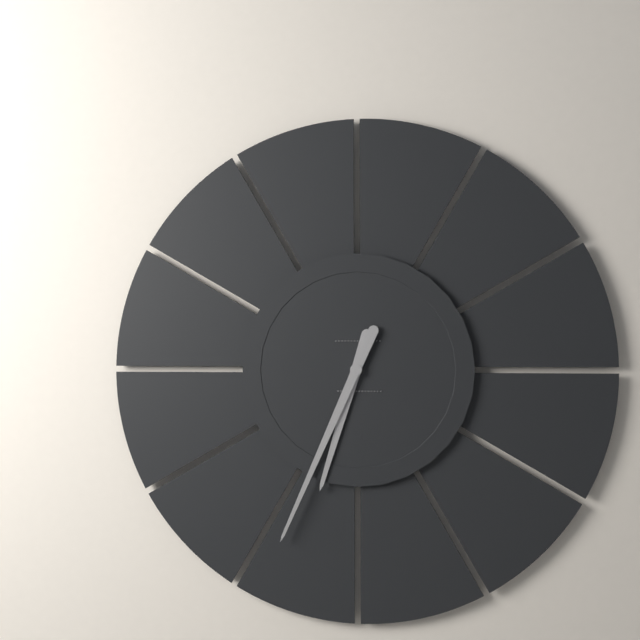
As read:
{"hour": 6, "minute": 34}
